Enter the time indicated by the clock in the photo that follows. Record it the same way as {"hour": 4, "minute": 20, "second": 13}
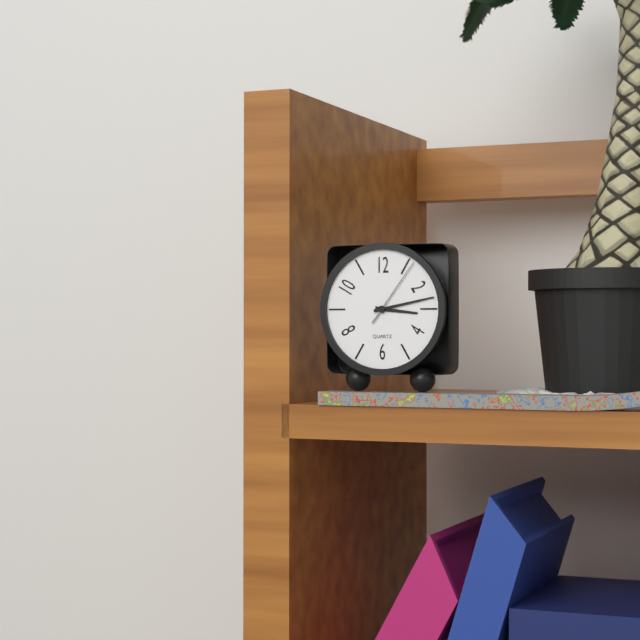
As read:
{"hour": 3, "minute": 13, "second": 6}
